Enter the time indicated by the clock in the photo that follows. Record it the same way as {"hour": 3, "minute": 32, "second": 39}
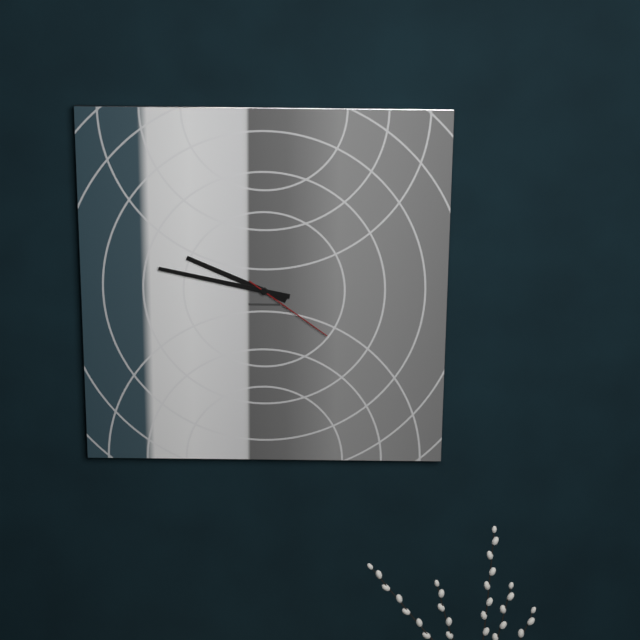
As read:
{"hour": 9, "minute": 47, "second": 21}
